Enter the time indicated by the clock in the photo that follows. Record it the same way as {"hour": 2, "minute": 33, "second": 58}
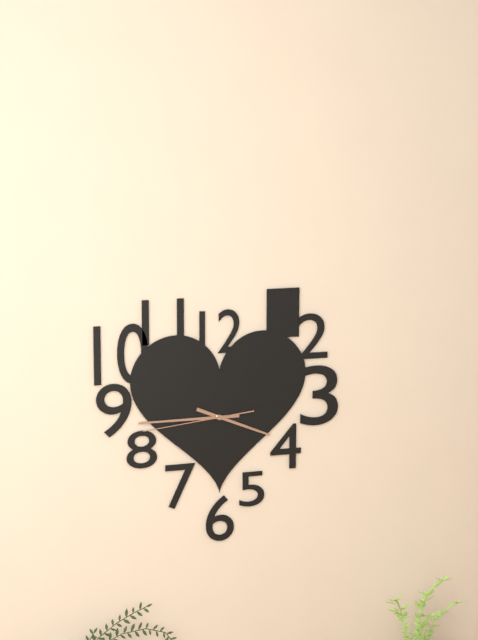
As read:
{"hour": 3, "minute": 45, "second": 44}
